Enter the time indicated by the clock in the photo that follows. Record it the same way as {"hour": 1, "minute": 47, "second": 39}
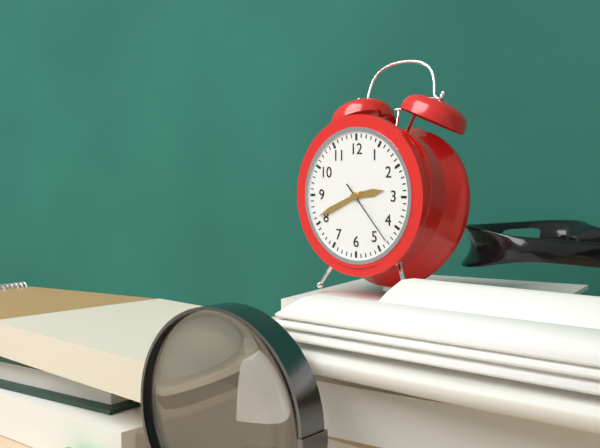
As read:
{"hour": 2, "minute": 41, "second": 23}
